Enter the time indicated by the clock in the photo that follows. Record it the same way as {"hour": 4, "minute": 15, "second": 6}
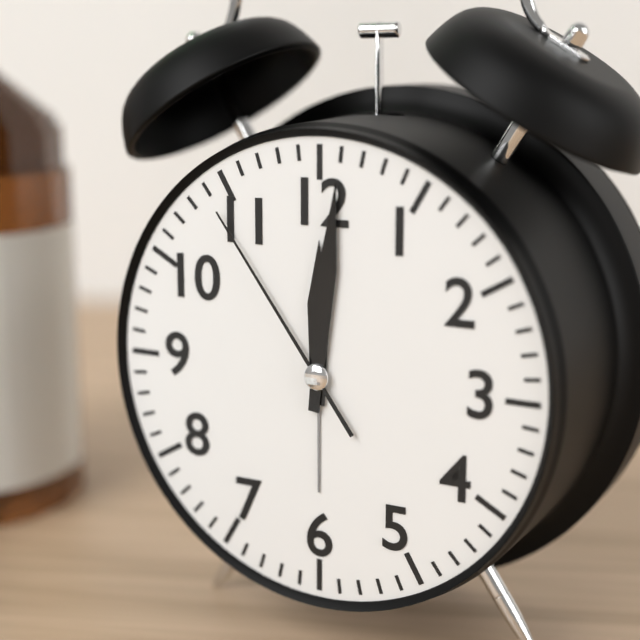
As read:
{"hour": 12, "minute": 1, "second": 54}
